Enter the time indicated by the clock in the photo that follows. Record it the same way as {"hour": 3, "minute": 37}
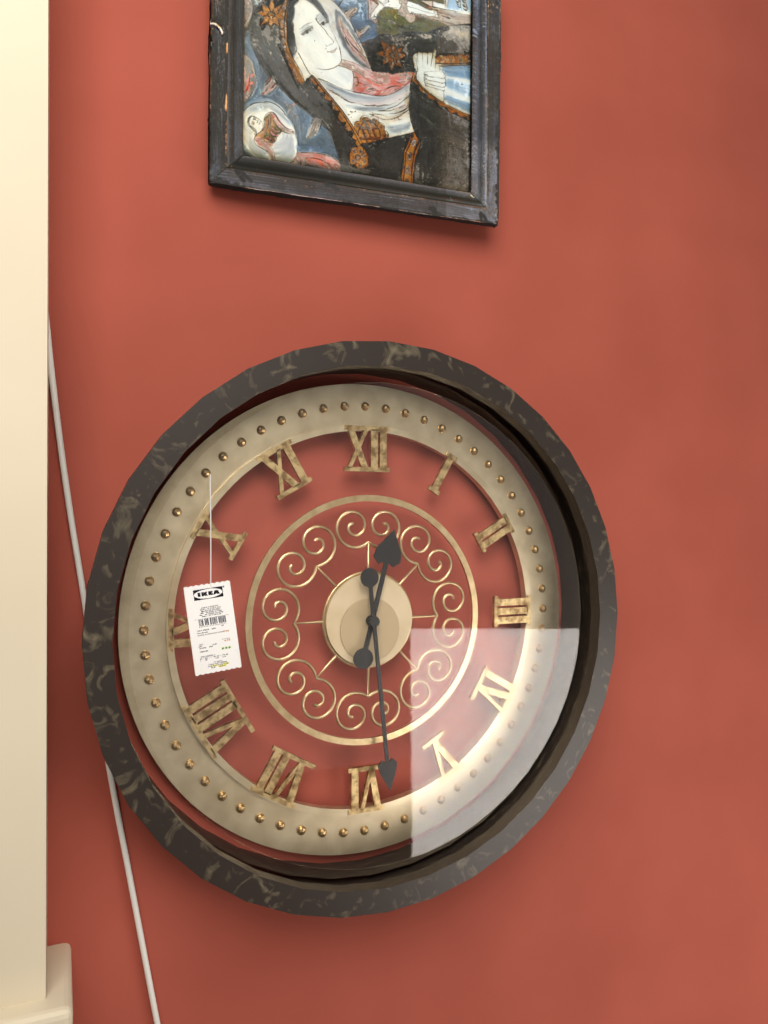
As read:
{"hour": 12, "minute": 29}
